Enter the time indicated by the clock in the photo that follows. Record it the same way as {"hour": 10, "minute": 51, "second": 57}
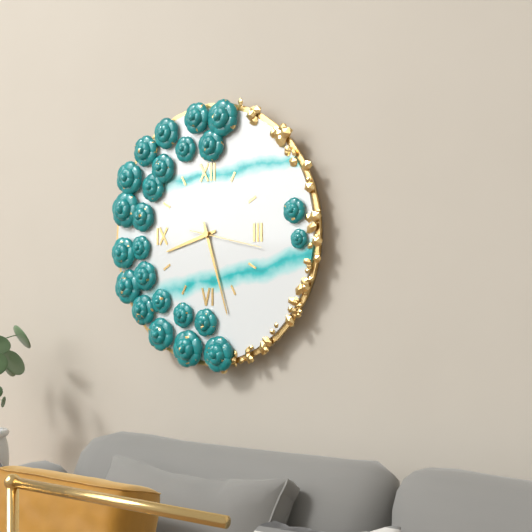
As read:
{"hour": 8, "minute": 27, "second": 17}
